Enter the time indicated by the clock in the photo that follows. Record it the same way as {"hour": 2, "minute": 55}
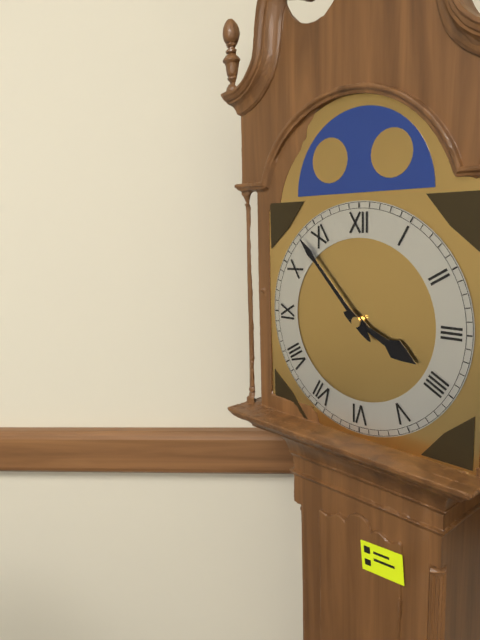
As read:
{"hour": 3, "minute": 53}
